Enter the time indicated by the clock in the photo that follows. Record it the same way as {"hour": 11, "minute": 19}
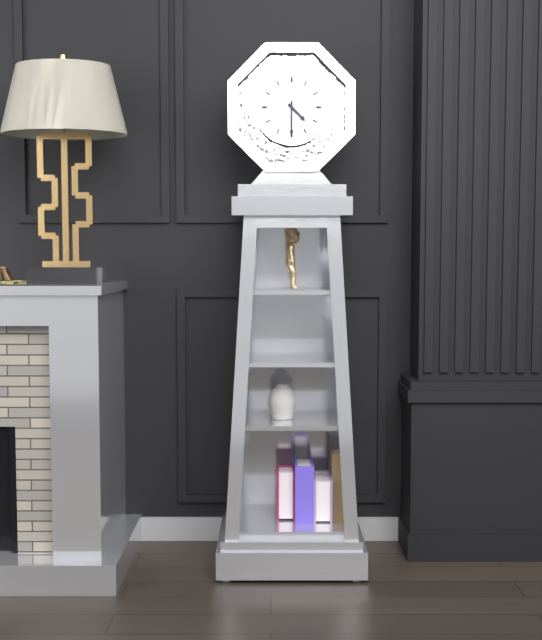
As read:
{"hour": 4, "minute": 30}
